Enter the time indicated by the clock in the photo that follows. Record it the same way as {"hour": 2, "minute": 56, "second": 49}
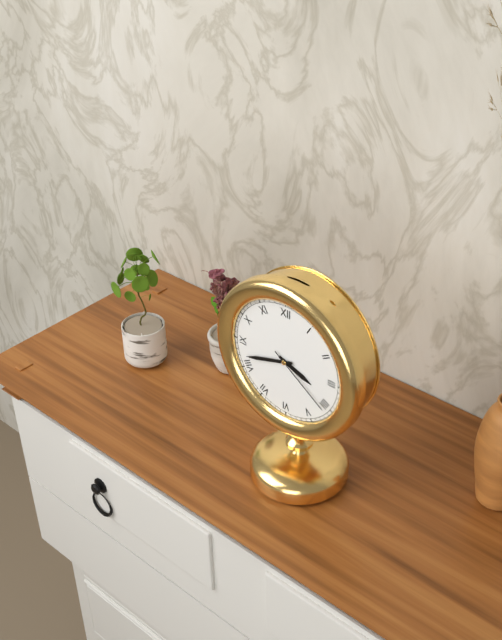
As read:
{"hour": 3, "minute": 42, "second": 21}
